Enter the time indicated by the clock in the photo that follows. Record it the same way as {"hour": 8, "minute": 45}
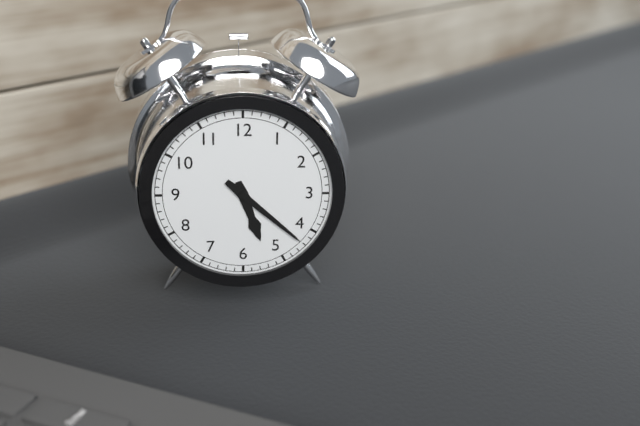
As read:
{"hour": 5, "minute": 22}
